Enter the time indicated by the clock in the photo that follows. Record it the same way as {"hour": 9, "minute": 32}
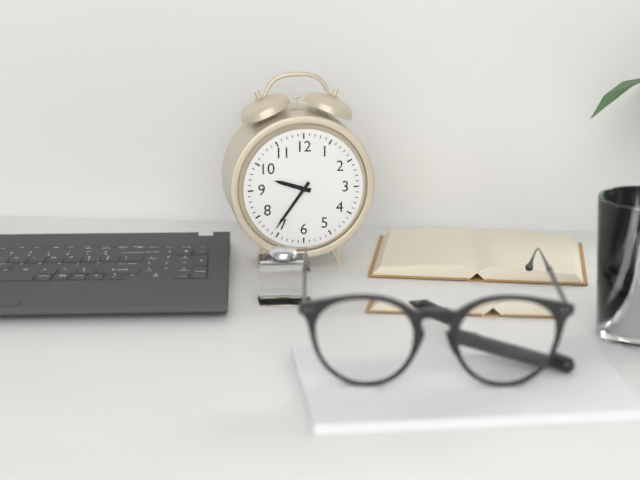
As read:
{"hour": 9, "minute": 36}
